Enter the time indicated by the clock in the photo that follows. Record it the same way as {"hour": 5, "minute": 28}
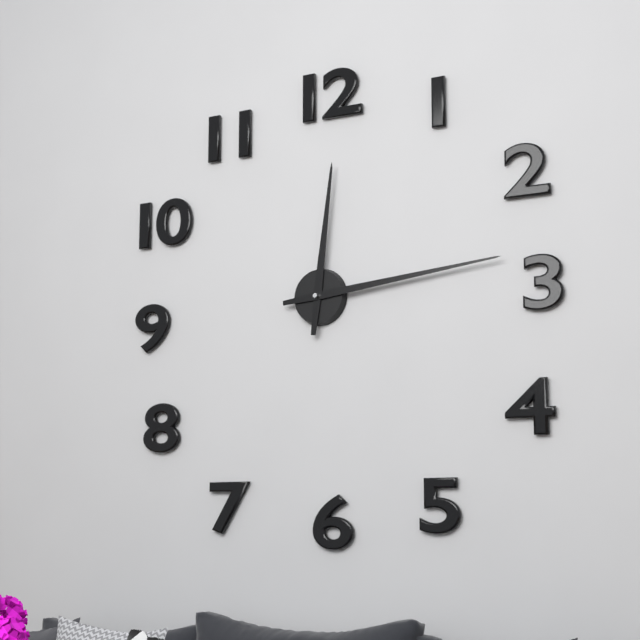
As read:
{"hour": 12, "minute": 14}
